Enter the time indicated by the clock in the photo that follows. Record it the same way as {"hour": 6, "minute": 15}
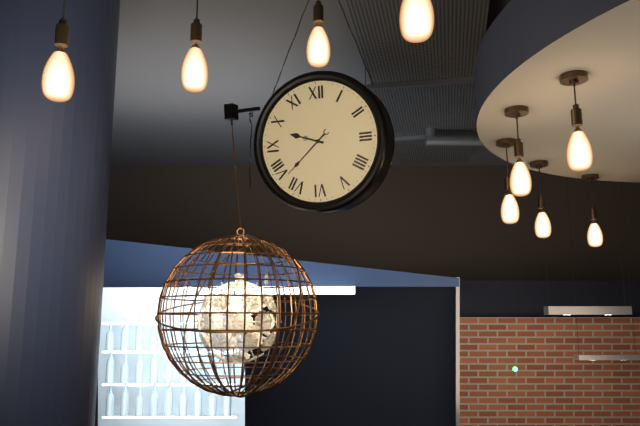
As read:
{"hour": 9, "minute": 38}
